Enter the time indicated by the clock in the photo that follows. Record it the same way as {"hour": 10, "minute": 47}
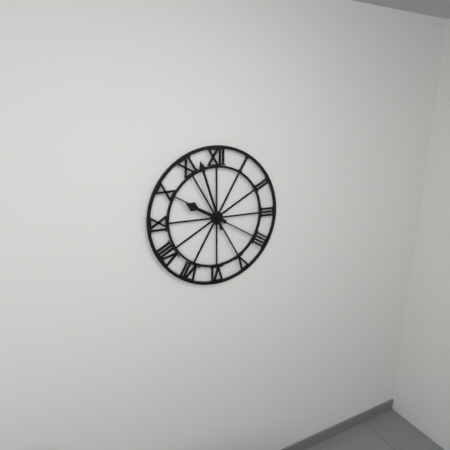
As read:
{"hour": 9, "minute": 57}
